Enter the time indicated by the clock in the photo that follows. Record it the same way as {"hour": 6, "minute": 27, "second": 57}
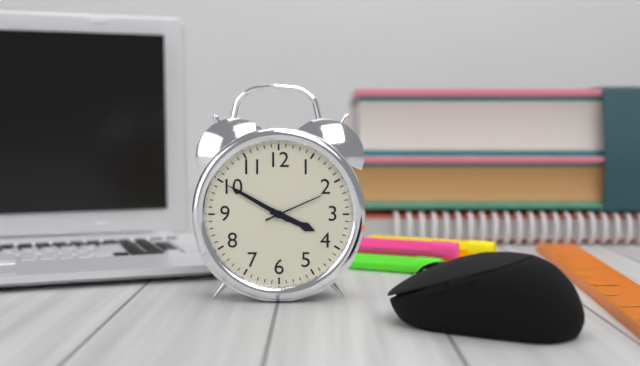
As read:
{"hour": 3, "minute": 50, "second": 11}
